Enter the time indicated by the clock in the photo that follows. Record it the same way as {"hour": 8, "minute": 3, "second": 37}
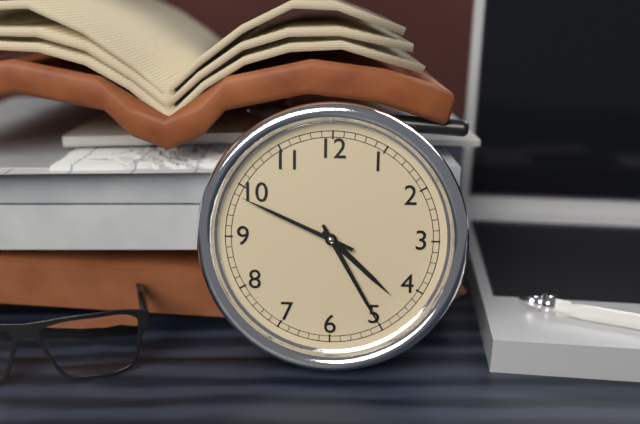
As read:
{"hour": 4, "minute": 25, "second": 49}
